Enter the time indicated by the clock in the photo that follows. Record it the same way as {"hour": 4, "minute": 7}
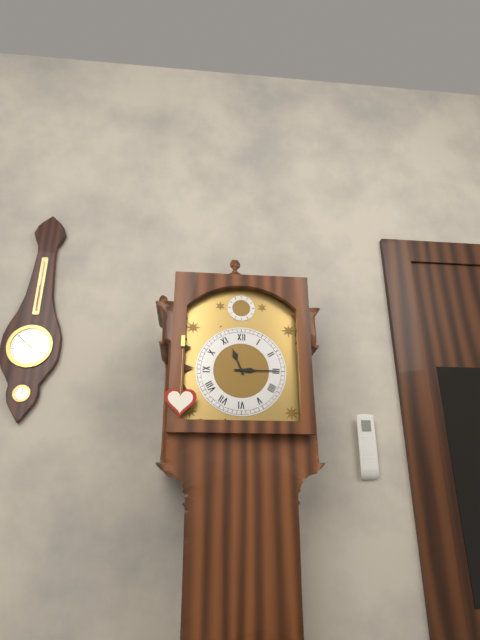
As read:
{"hour": 11, "minute": 15}
